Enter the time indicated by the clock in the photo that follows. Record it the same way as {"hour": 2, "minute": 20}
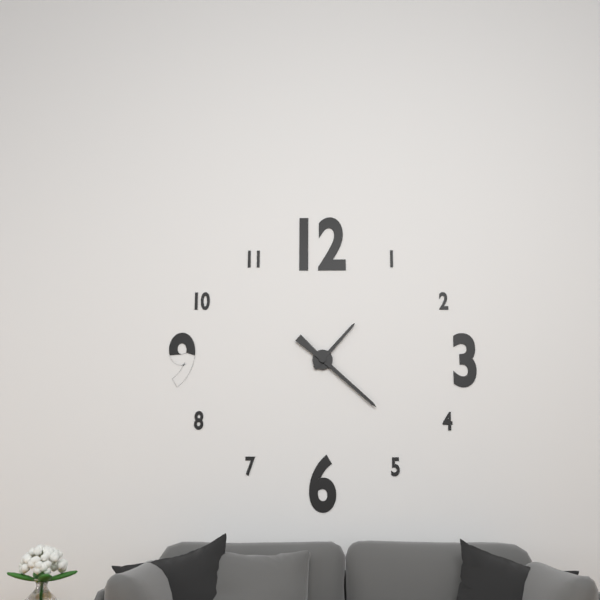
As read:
{"hour": 1, "minute": 22}
